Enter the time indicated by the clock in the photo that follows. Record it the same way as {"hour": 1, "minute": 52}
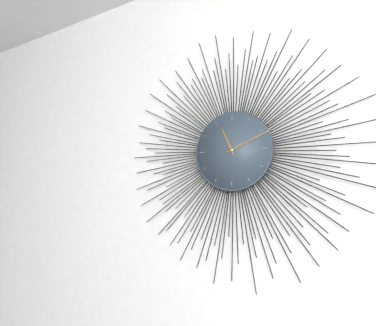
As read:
{"hour": 11, "minute": 11}
